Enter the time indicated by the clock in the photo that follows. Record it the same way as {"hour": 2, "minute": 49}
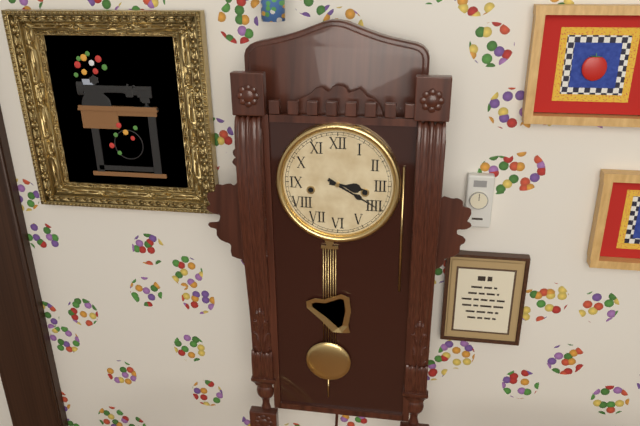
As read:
{"hour": 3, "minute": 20}
